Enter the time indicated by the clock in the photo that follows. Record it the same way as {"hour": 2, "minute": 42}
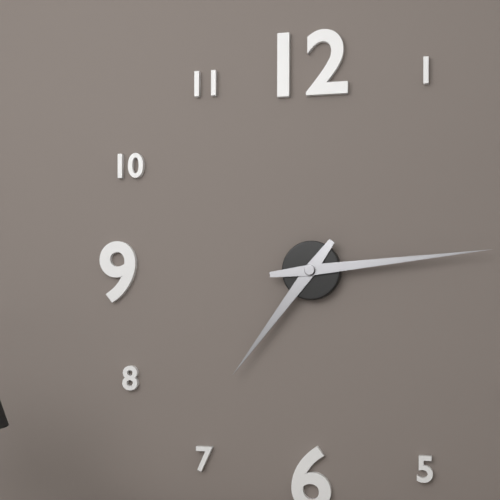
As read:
{"hour": 7, "minute": 14}
